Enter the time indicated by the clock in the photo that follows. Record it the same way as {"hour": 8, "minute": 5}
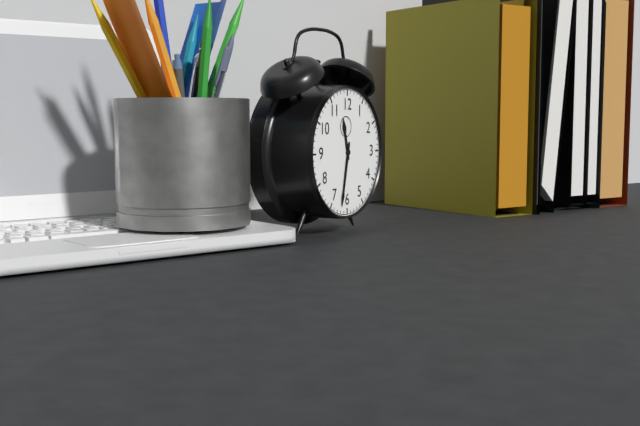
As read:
{"hour": 11, "minute": 32}
